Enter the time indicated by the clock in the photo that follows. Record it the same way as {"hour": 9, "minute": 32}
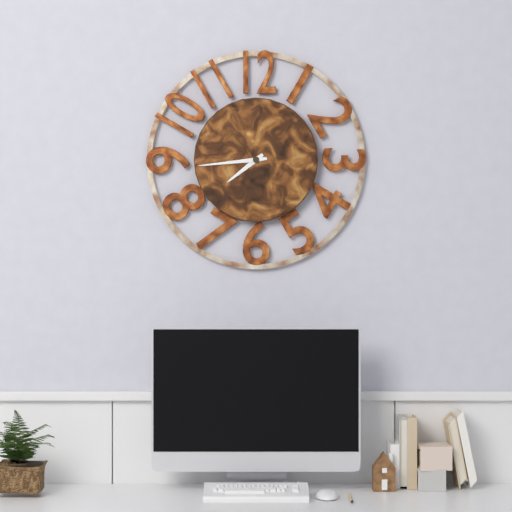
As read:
{"hour": 7, "minute": 44}
